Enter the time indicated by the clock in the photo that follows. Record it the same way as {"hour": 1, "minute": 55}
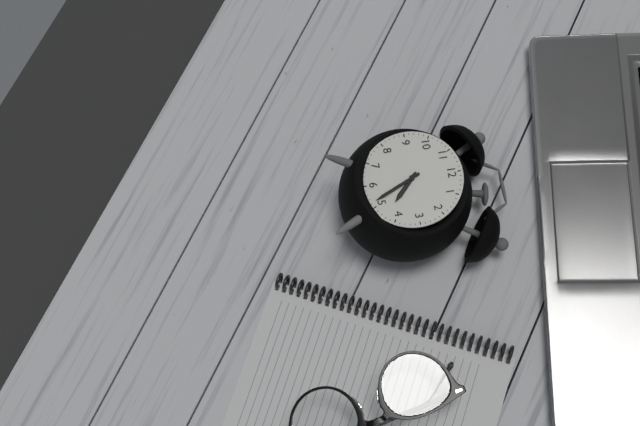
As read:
{"hour": 4, "minute": 26}
